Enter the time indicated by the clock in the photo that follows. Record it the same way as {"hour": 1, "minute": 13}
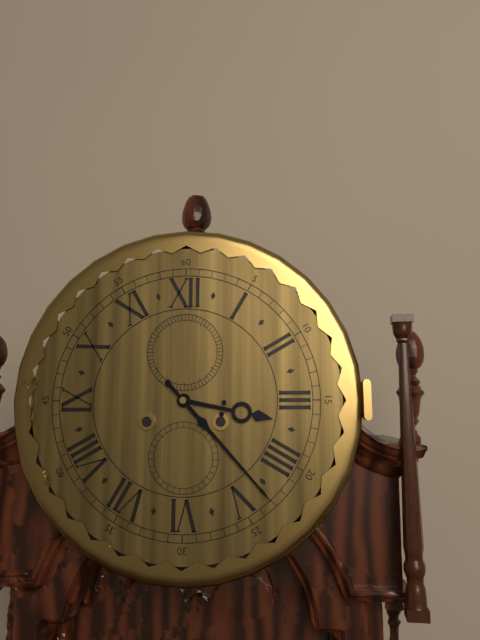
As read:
{"hour": 3, "minute": 23}
